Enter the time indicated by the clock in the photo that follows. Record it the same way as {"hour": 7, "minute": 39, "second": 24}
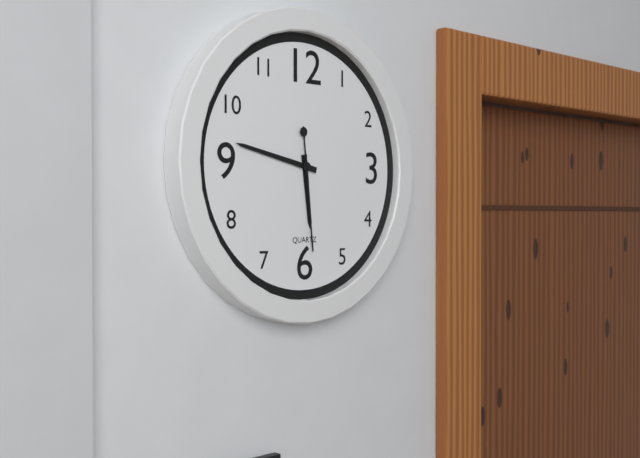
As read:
{"hour": 5, "minute": 47, "second": 29}
